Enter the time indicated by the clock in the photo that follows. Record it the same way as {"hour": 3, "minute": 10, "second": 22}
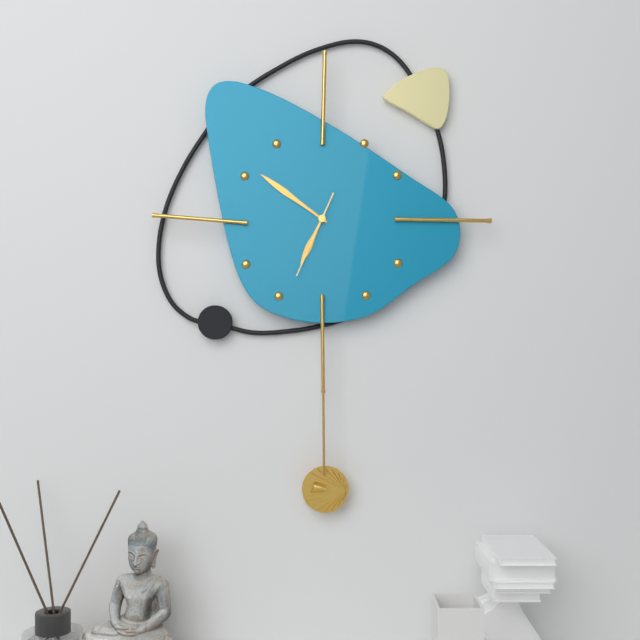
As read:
{"hour": 6, "minute": 51, "second": 34}
